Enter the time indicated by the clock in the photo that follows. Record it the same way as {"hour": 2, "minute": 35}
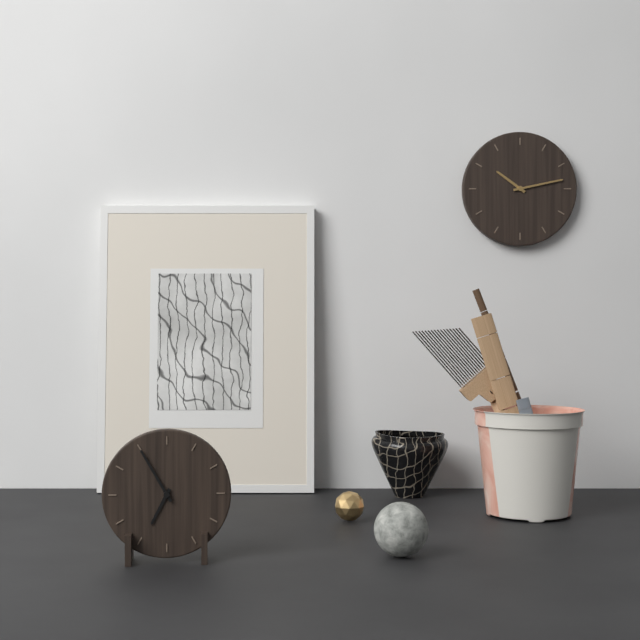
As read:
{"hour": 6, "minute": 55}
